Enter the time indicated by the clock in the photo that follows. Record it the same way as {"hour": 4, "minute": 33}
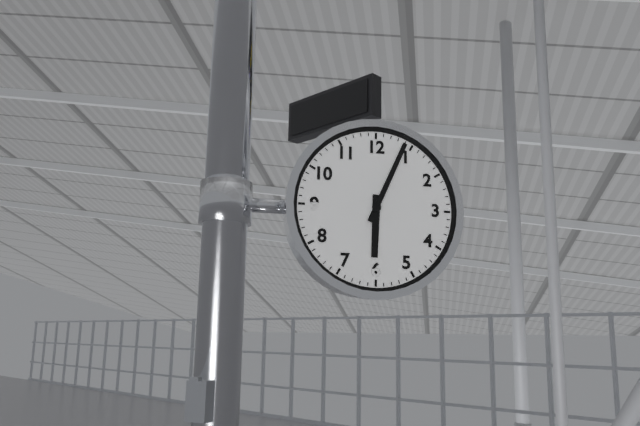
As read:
{"hour": 6, "minute": 4}
